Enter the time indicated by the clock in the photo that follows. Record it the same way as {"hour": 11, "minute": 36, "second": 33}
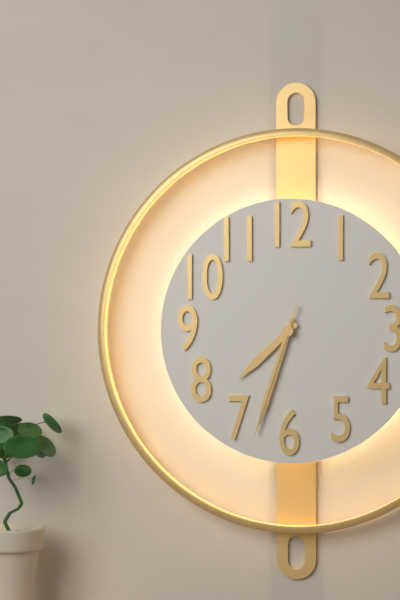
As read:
{"hour": 7, "minute": 33, "second": 33}
